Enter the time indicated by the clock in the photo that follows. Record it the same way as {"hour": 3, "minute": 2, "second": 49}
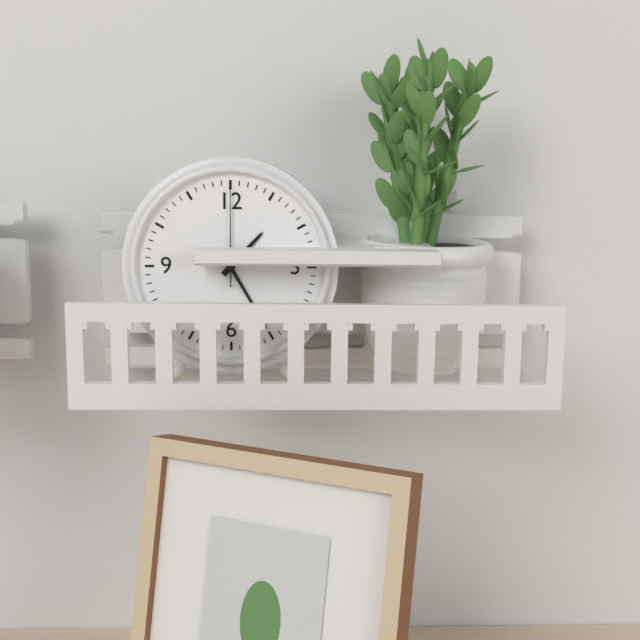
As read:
{"hour": 1, "minute": 25, "second": 0}
